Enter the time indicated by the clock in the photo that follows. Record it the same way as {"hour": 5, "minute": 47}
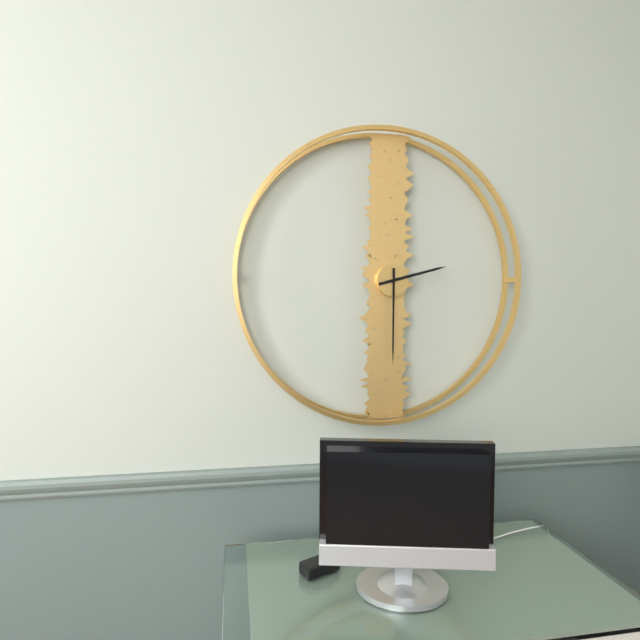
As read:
{"hour": 2, "minute": 30}
